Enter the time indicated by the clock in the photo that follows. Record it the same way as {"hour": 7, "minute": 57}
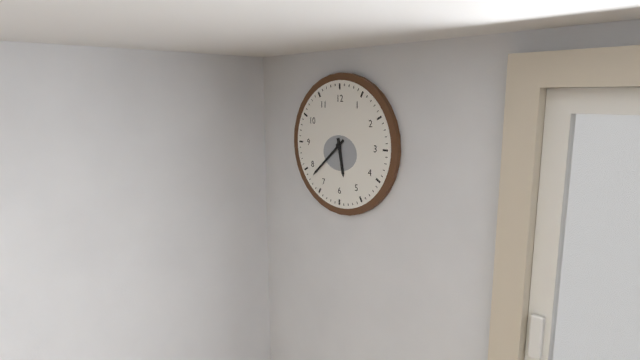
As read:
{"hour": 5, "minute": 38}
